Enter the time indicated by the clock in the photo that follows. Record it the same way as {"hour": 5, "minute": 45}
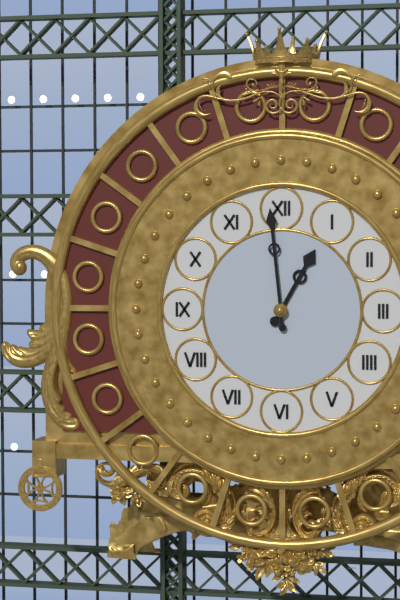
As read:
{"hour": 12, "minute": 59}
